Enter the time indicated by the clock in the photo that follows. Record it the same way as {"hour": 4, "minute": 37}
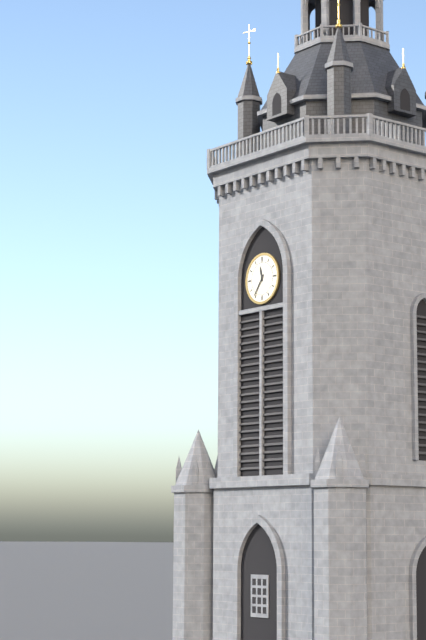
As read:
{"hour": 11, "minute": 36}
